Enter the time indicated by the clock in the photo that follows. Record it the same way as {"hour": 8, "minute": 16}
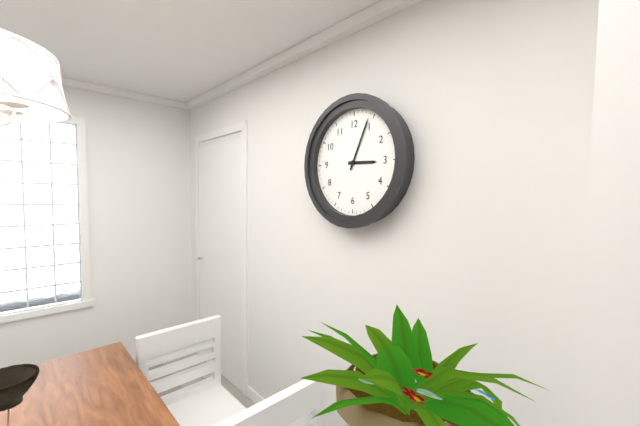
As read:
{"hour": 3, "minute": 4}
